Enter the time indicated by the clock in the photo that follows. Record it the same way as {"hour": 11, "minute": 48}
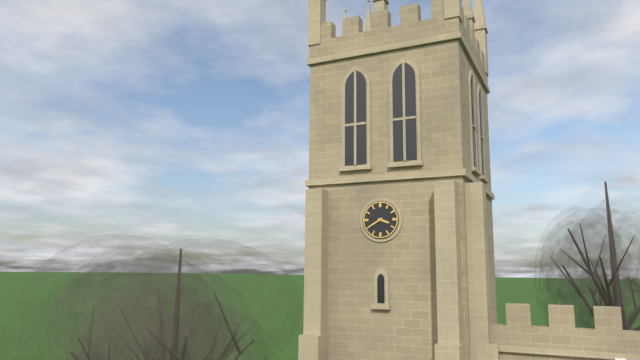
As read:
{"hour": 3, "minute": 40}
